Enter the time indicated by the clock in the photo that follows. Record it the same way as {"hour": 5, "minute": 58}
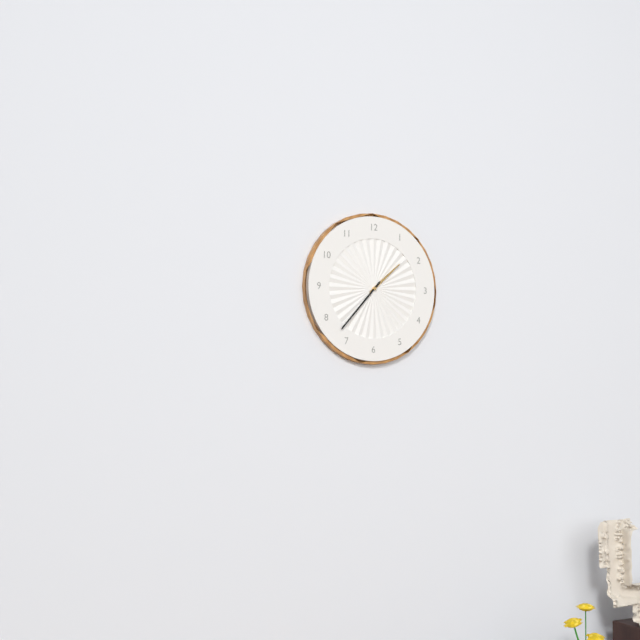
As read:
{"hour": 1, "minute": 37}
